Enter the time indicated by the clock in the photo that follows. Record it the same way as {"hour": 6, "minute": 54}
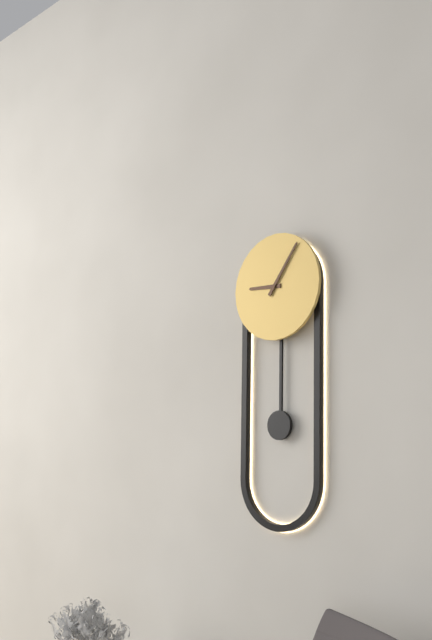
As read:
{"hour": 9, "minute": 6}
